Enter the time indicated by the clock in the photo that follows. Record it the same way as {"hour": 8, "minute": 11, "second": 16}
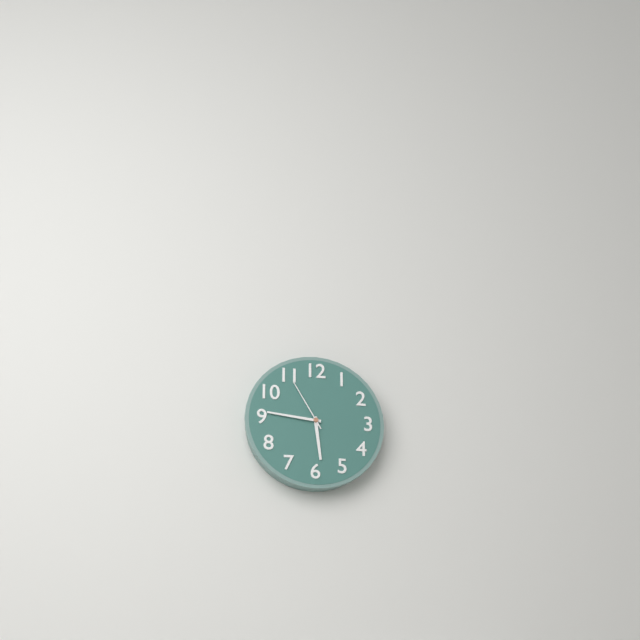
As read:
{"hour": 5, "minute": 46, "second": 55}
